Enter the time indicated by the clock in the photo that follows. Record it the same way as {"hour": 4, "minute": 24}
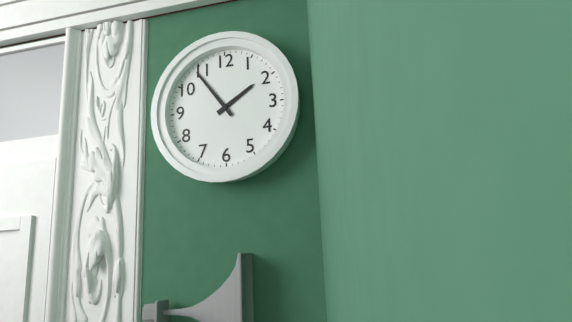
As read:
{"hour": 1, "minute": 54}
